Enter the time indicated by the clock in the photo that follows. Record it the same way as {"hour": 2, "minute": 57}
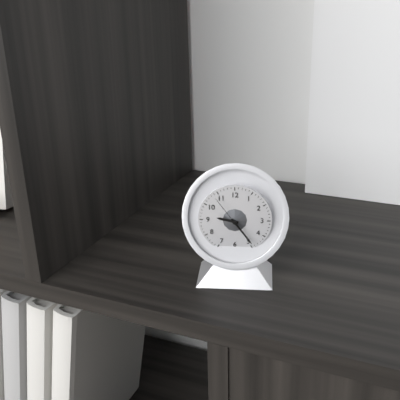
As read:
{"hour": 9, "minute": 24}
